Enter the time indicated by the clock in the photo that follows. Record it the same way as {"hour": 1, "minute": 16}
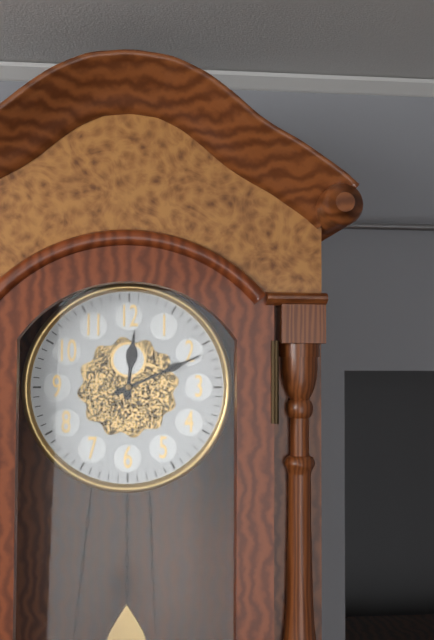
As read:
{"hour": 12, "minute": 11}
